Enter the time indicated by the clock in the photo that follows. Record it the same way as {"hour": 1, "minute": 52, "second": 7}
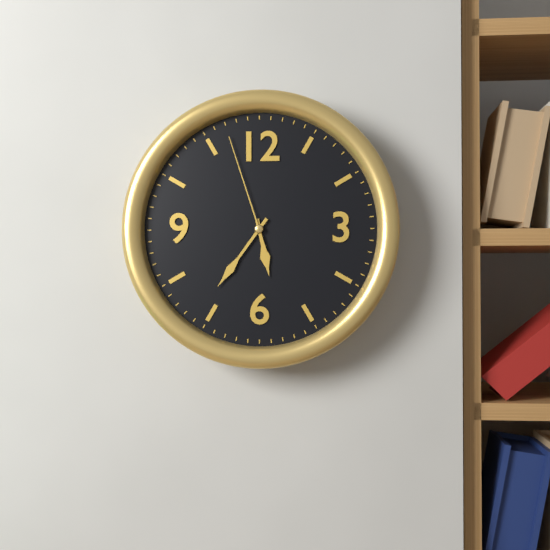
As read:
{"hour": 5, "minute": 36, "second": 57}
